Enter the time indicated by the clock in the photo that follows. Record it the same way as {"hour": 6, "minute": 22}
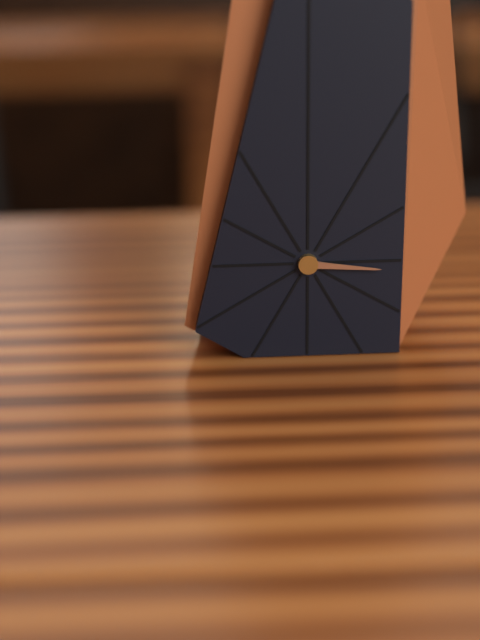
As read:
{"hour": 3, "minute": 16}
